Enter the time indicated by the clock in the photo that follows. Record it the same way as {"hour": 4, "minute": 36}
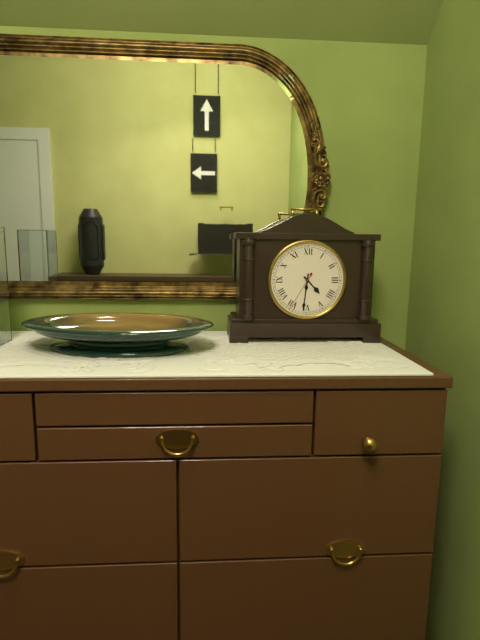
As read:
{"hour": 4, "minute": 31}
